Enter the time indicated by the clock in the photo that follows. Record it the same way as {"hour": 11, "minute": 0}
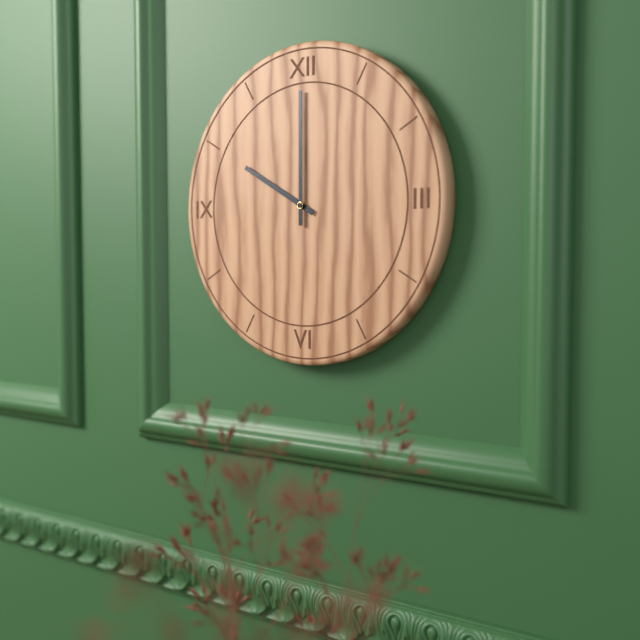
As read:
{"hour": 10, "minute": 0}
